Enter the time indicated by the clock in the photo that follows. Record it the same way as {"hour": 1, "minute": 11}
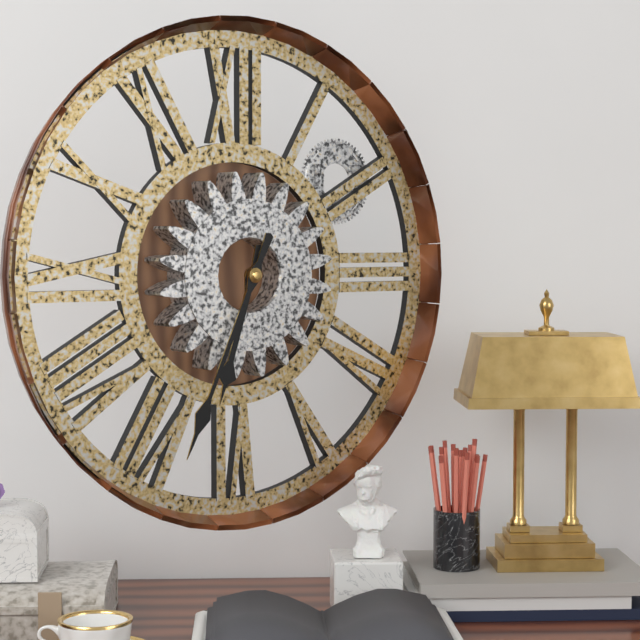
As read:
{"hour": 6, "minute": 34}
